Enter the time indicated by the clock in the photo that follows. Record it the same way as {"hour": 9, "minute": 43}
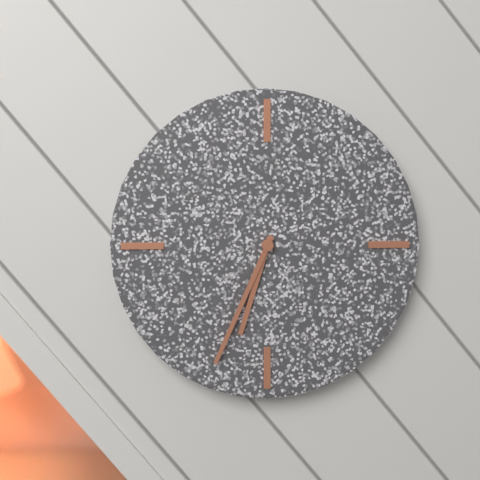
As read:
{"hour": 6, "minute": 34}
